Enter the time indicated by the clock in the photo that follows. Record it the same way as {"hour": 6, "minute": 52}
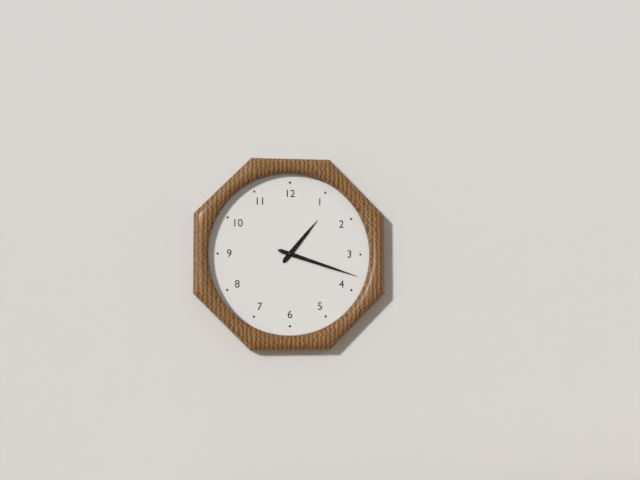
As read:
{"hour": 1, "minute": 18}
